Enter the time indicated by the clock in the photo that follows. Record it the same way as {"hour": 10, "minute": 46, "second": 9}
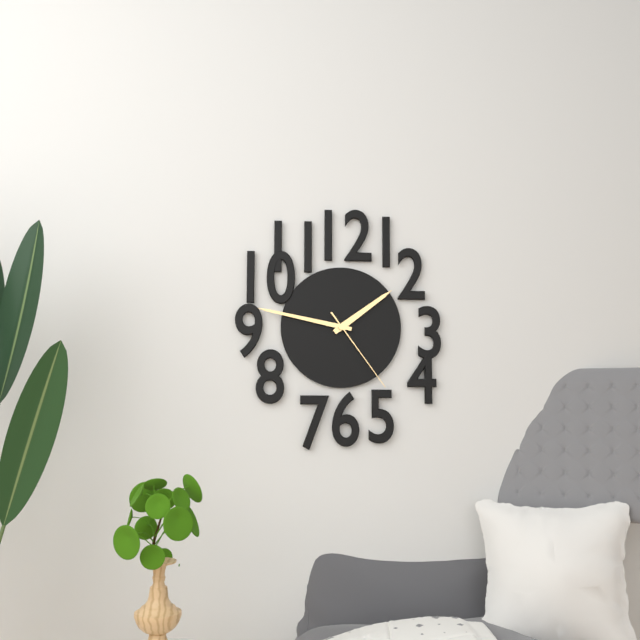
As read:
{"hour": 1, "minute": 47, "second": 24}
